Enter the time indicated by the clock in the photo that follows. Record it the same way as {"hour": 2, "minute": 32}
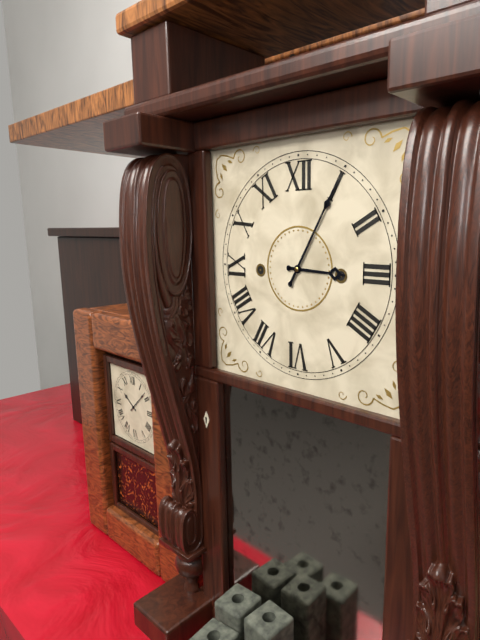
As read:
{"hour": 3, "minute": 5}
